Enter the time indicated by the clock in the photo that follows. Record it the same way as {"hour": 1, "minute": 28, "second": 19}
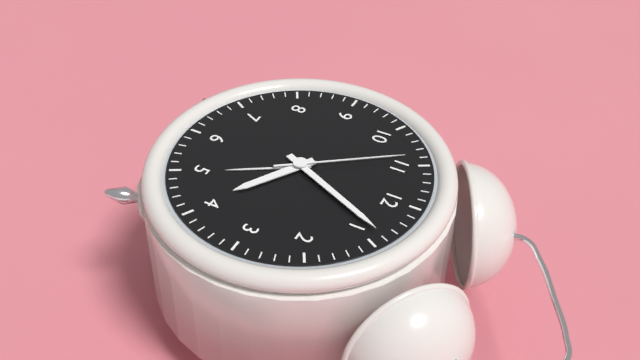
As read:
{"hour": 4, "minute": 4, "second": 54}
